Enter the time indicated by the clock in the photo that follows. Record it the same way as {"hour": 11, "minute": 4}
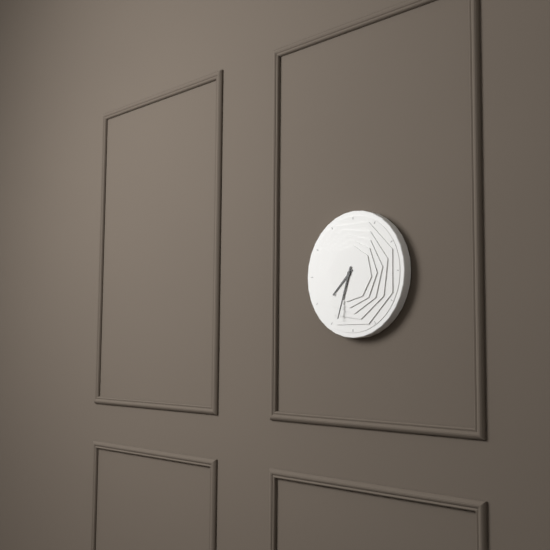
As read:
{"hour": 7, "minute": 33}
